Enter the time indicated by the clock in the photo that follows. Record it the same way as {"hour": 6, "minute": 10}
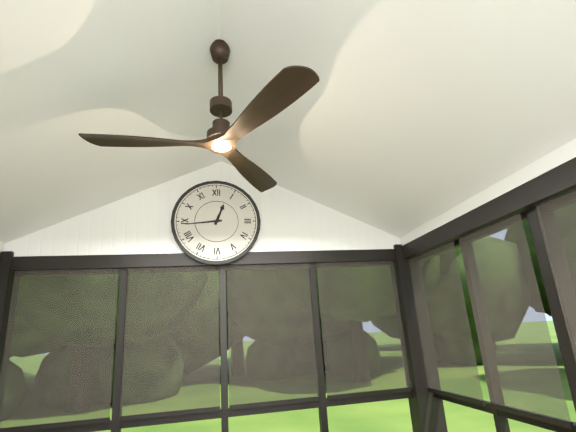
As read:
{"hour": 12, "minute": 44}
